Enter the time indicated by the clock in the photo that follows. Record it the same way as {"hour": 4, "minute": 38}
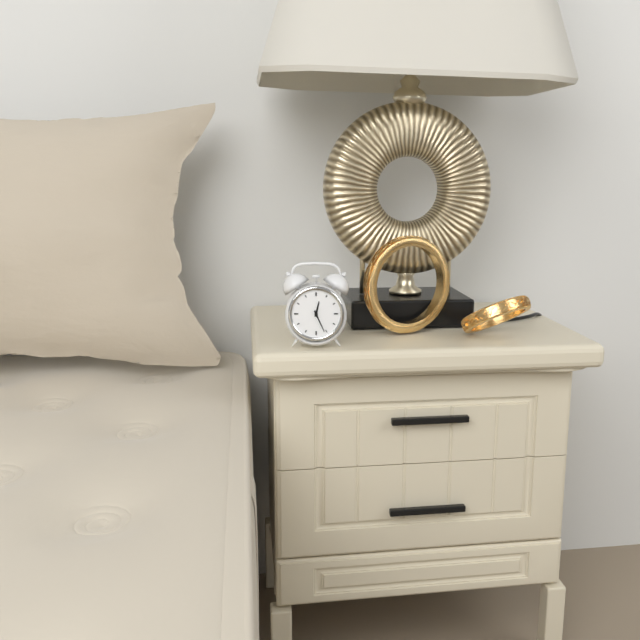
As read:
{"hour": 12, "minute": 26}
